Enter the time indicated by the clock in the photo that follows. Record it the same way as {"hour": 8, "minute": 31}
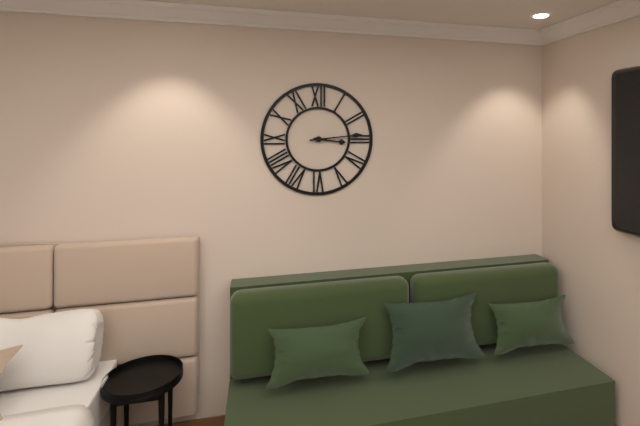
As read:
{"hour": 3, "minute": 14}
